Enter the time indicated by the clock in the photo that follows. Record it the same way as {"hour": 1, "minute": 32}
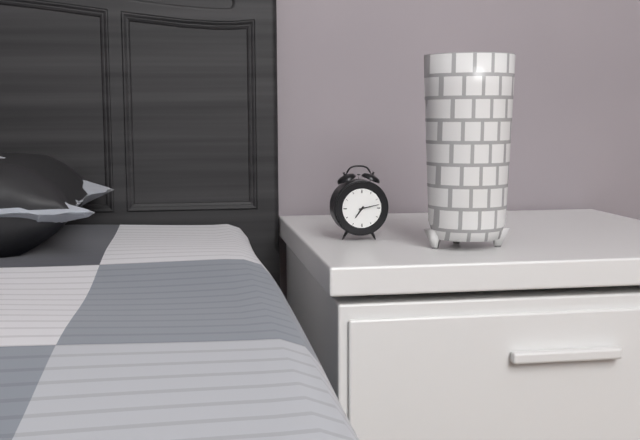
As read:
{"hour": 7, "minute": 13}
